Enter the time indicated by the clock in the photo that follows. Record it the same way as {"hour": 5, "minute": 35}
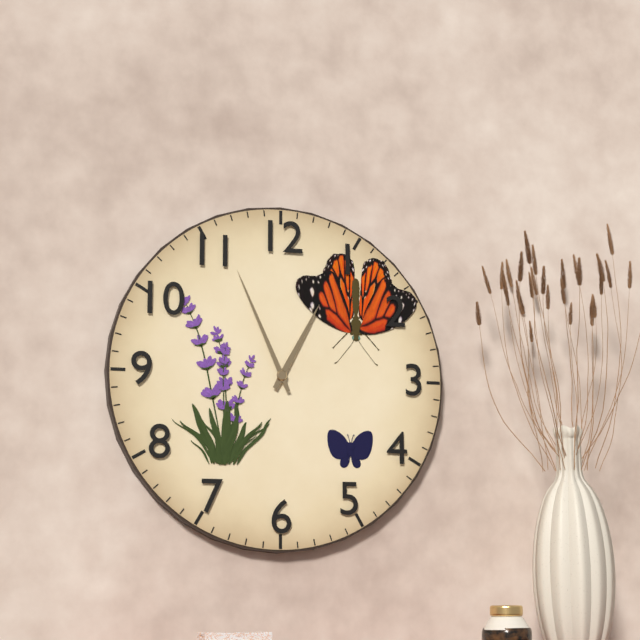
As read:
{"hour": 12, "minute": 56}
